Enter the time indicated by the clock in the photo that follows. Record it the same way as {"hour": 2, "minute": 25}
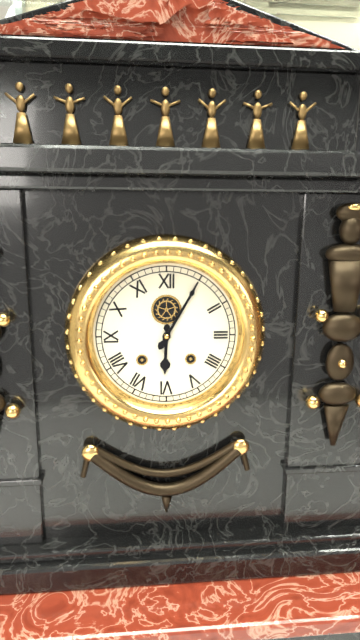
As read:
{"hour": 6, "minute": 5}
